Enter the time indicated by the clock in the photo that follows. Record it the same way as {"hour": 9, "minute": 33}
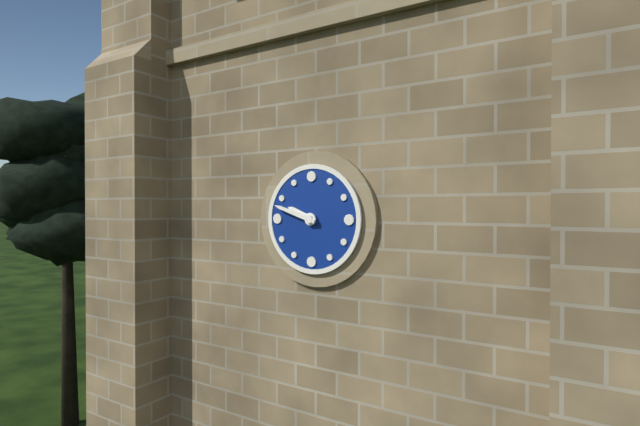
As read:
{"hour": 9, "minute": 48}
